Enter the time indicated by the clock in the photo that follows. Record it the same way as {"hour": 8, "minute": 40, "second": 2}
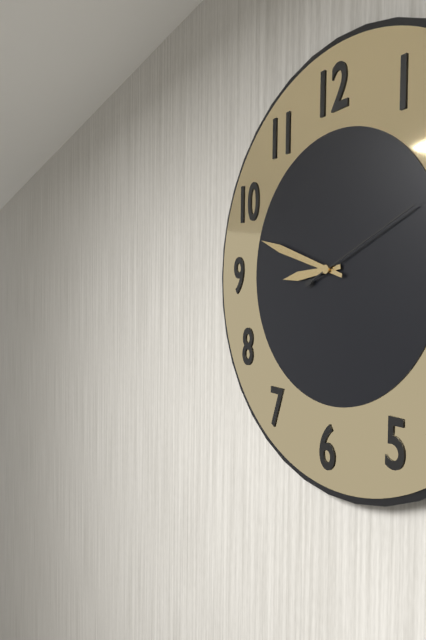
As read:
{"hour": 8, "minute": 48, "second": 11}
